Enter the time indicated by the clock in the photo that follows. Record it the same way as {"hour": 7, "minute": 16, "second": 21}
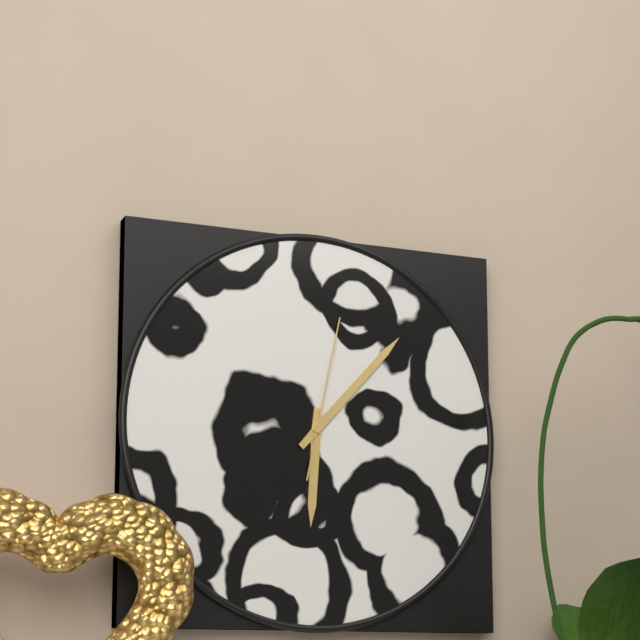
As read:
{"hour": 6, "minute": 7, "second": 2}
